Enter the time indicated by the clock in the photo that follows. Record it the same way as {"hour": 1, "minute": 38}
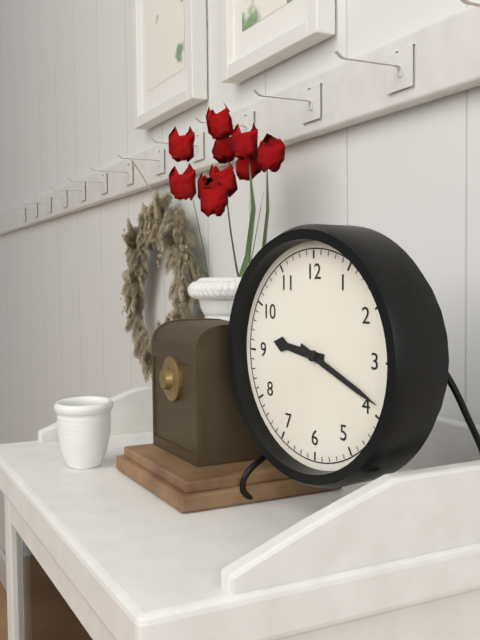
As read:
{"hour": 9, "minute": 19}
